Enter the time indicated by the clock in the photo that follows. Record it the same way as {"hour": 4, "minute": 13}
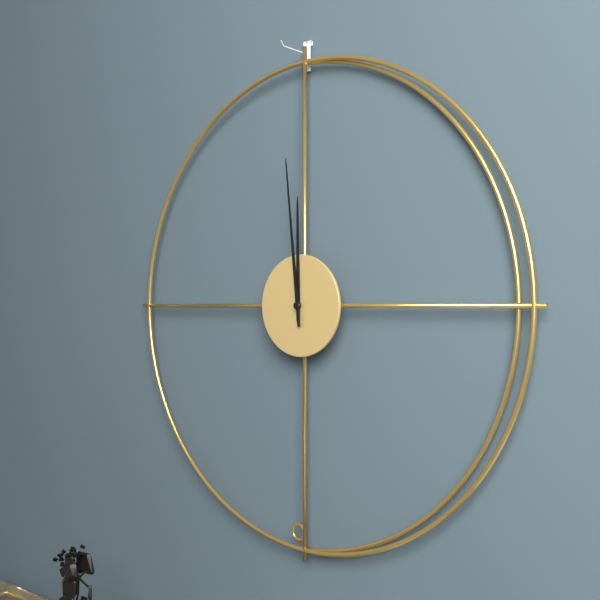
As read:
{"hour": 11, "minute": 59}
